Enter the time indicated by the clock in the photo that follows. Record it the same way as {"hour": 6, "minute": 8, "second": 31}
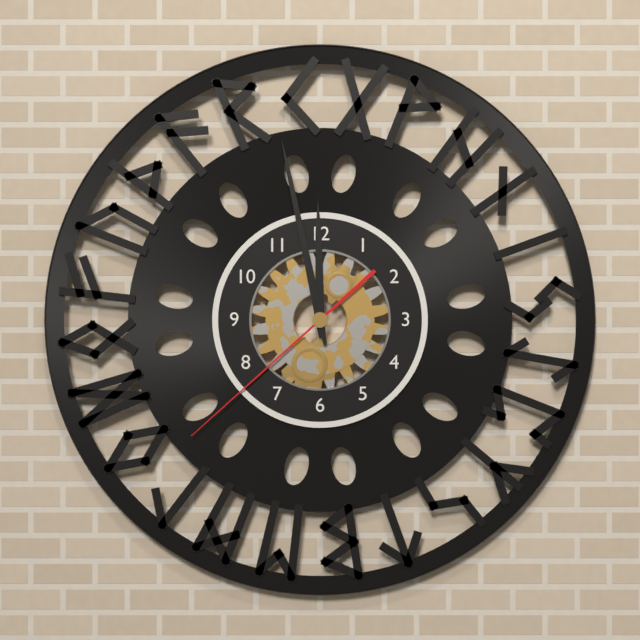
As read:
{"hour": 11, "minute": 58, "second": 38}
